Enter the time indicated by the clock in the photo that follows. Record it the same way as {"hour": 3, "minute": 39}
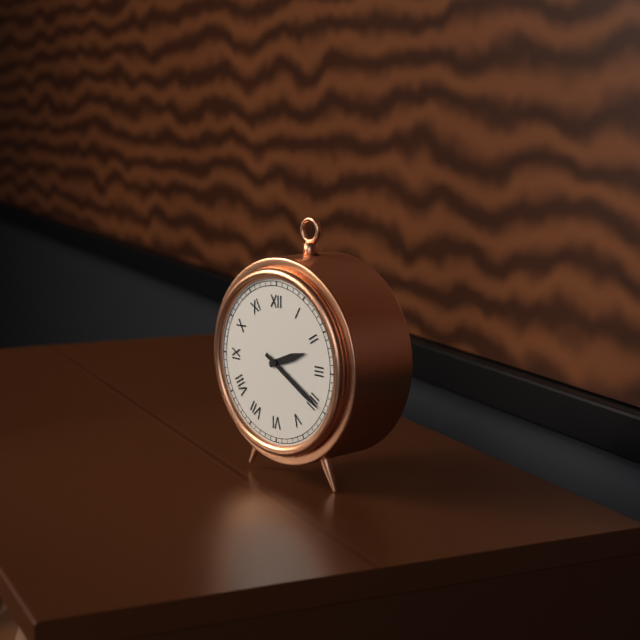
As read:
{"hour": 2, "minute": 20}
